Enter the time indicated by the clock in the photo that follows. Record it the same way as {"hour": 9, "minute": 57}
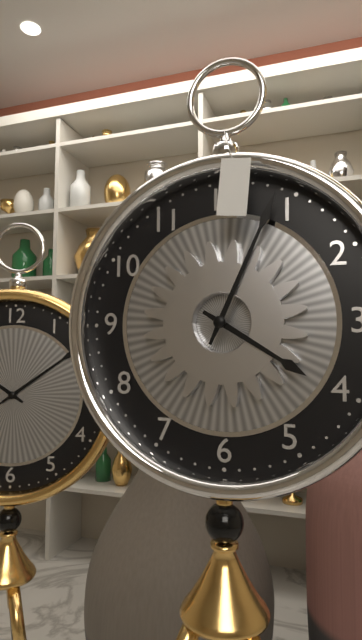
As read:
{"hour": 4, "minute": 4}
